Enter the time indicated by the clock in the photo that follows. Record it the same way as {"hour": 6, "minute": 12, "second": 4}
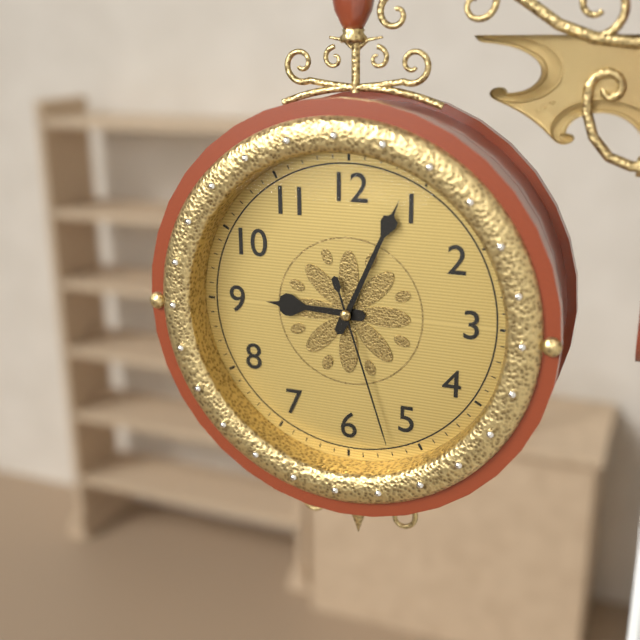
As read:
{"hour": 9, "minute": 4, "second": 27}
